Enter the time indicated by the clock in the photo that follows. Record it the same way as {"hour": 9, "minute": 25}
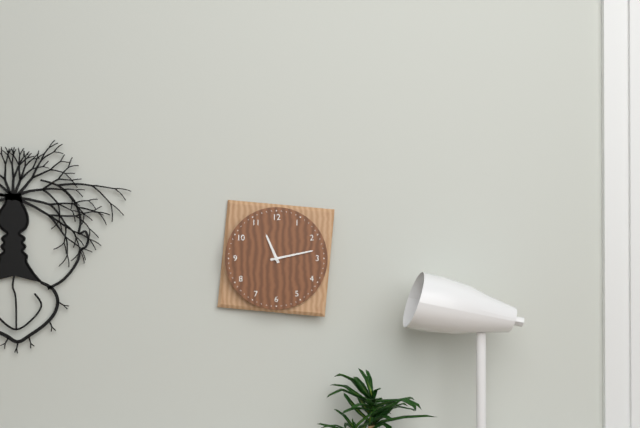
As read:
{"hour": 11, "minute": 13}
